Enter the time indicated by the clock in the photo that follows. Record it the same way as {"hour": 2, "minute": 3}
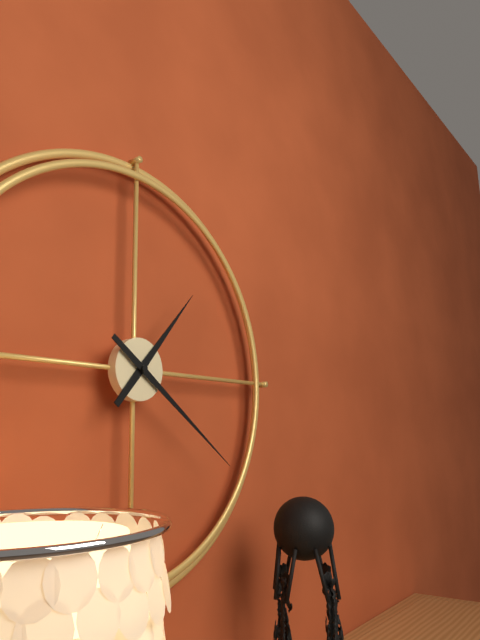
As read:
{"hour": 1, "minute": 21}
